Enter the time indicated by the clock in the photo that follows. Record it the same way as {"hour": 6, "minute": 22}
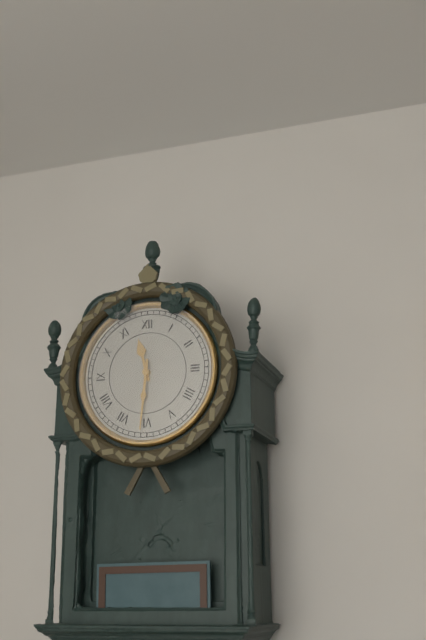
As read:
{"hour": 11, "minute": 31}
